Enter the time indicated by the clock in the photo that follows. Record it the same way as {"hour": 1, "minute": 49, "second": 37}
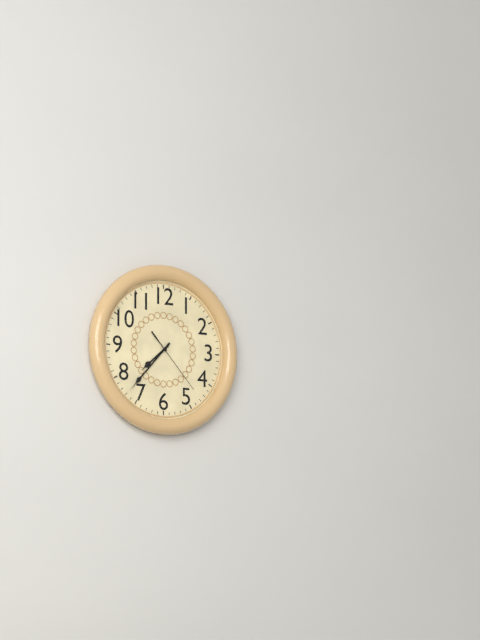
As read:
{"hour": 7, "minute": 37, "second": 23}
